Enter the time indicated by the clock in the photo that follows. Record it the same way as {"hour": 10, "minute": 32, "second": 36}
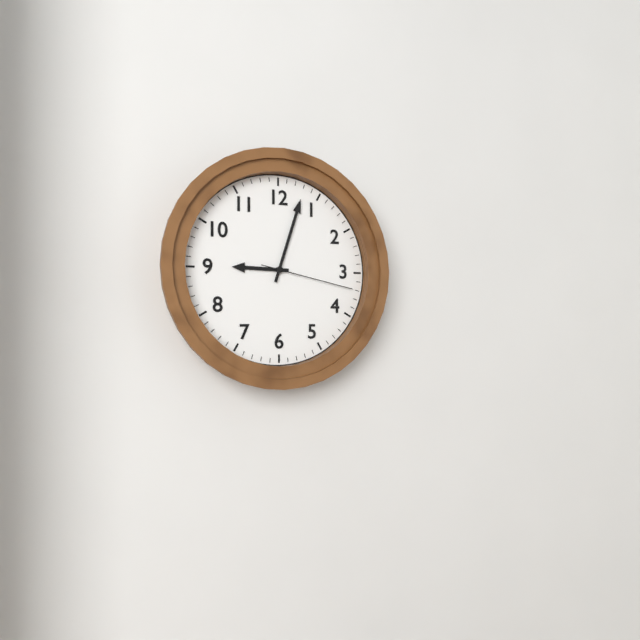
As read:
{"hour": 9, "minute": 3, "second": 17}
